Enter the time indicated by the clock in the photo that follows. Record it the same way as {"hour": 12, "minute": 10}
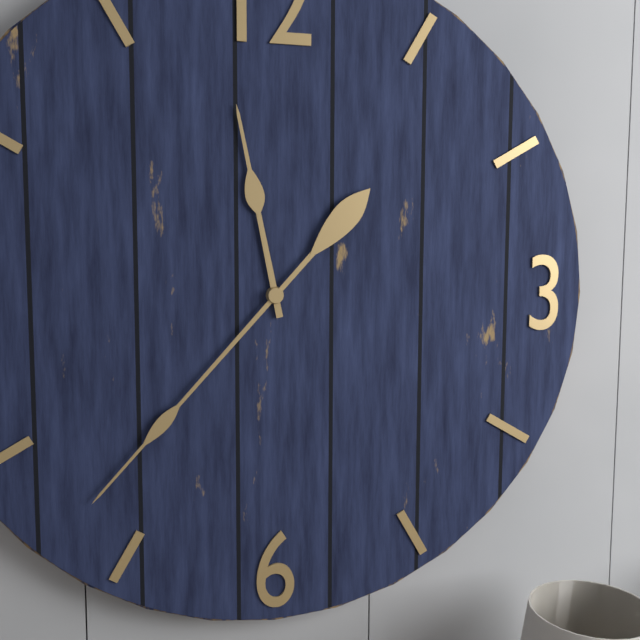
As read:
{"hour": 11, "minute": 37}
